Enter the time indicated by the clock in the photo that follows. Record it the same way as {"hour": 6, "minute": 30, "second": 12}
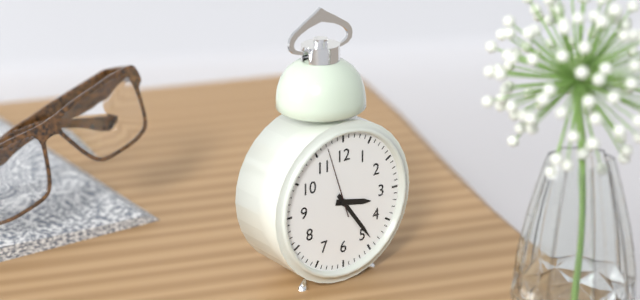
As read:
{"hour": 3, "minute": 24, "second": 57}
